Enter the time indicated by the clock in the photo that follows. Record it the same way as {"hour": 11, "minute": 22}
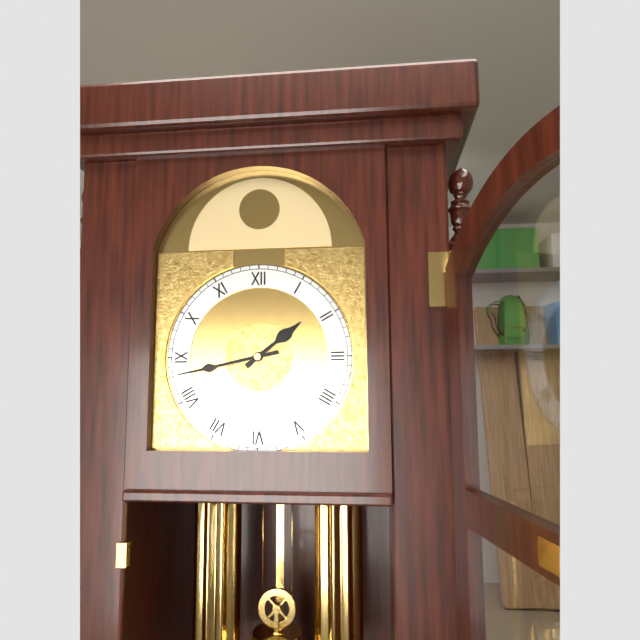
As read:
{"hour": 1, "minute": 43}
